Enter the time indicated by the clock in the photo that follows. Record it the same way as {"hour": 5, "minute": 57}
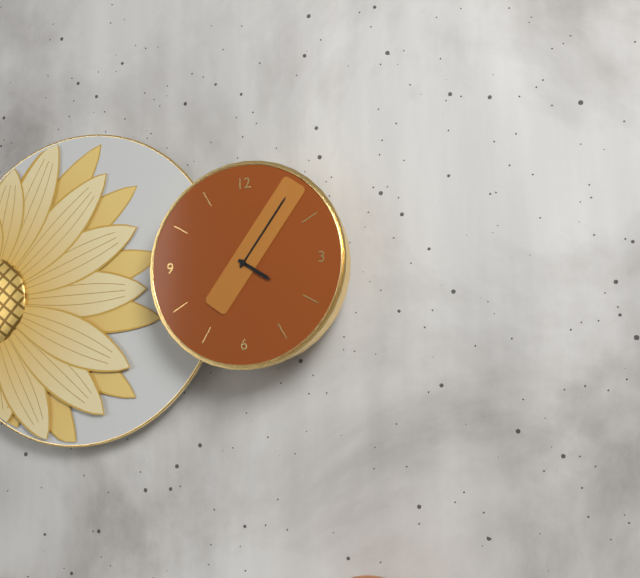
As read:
{"hour": 4, "minute": 6}
